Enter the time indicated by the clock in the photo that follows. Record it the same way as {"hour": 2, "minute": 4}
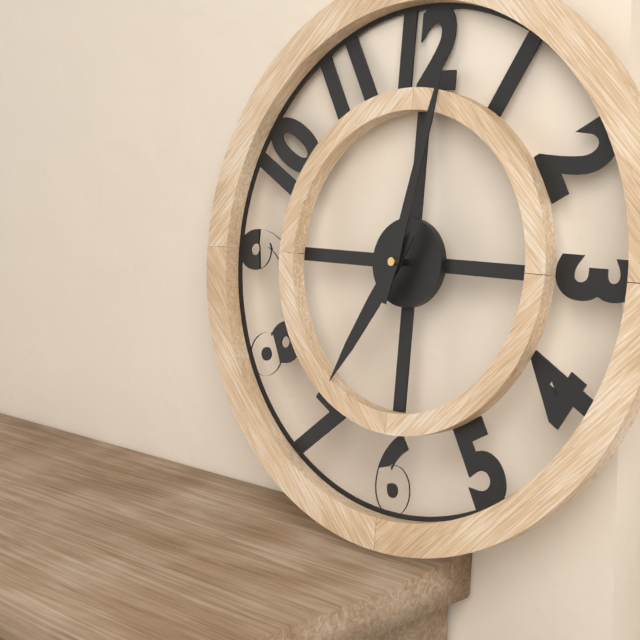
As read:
{"hour": 7, "minute": 2}
